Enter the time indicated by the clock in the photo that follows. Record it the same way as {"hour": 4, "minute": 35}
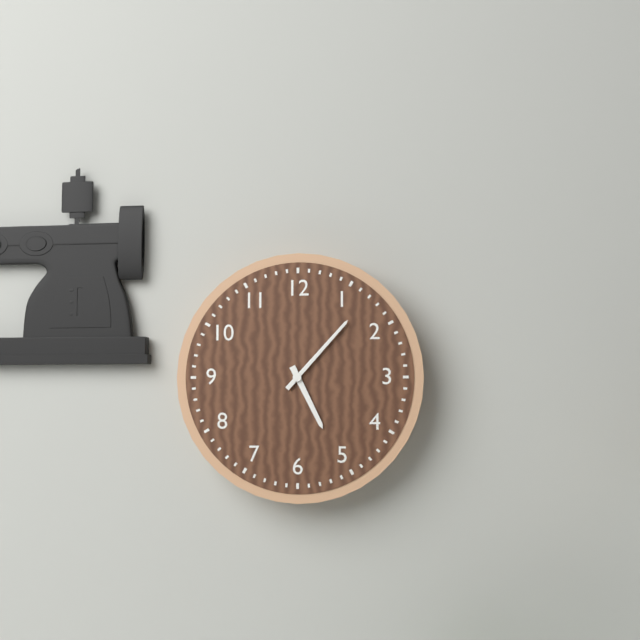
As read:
{"hour": 5, "minute": 7}
